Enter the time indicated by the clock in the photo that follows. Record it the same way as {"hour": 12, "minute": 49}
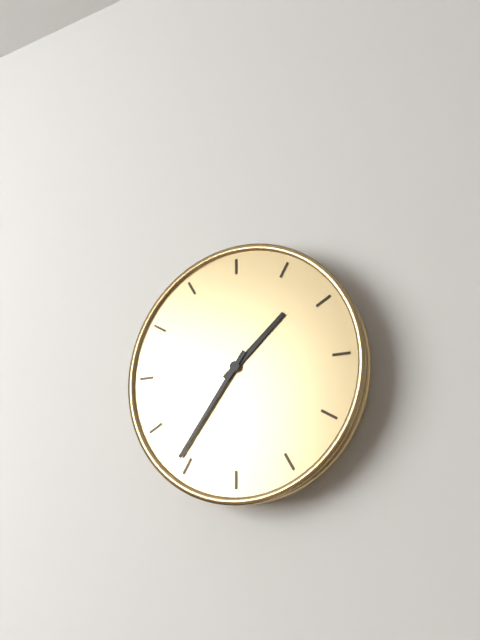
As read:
{"hour": 1, "minute": 36}
